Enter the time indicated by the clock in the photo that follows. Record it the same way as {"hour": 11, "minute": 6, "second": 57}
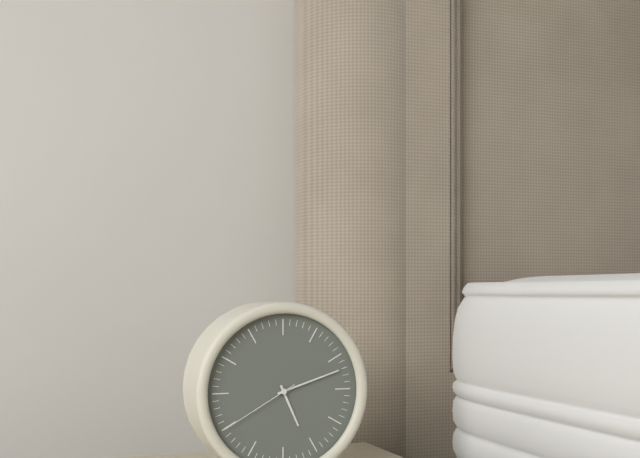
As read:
{"hour": 5, "minute": 12, "second": 40}
